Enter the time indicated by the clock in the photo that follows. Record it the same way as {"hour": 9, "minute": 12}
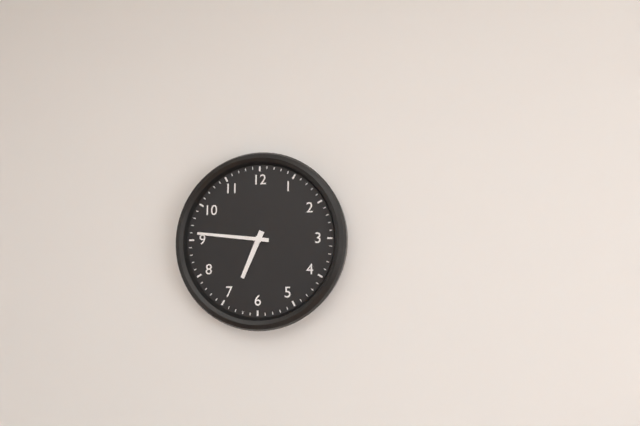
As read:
{"hour": 6, "minute": 46}
